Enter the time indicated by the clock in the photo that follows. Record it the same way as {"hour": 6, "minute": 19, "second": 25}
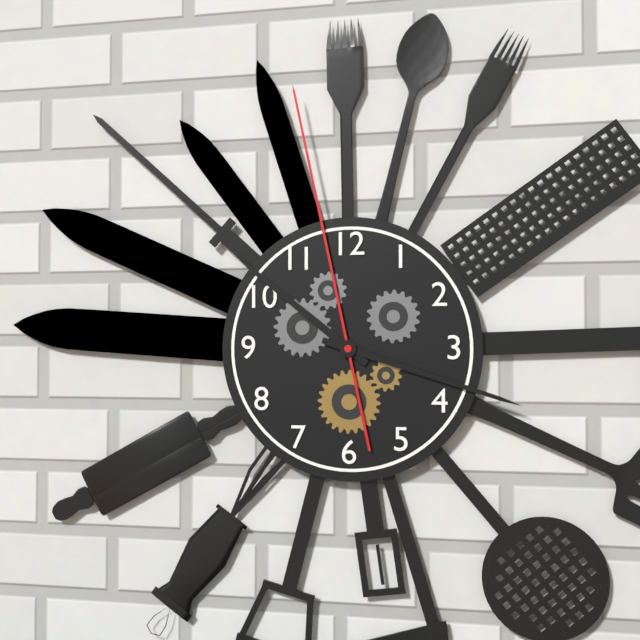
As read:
{"hour": 10, "minute": 18, "second": 58}
